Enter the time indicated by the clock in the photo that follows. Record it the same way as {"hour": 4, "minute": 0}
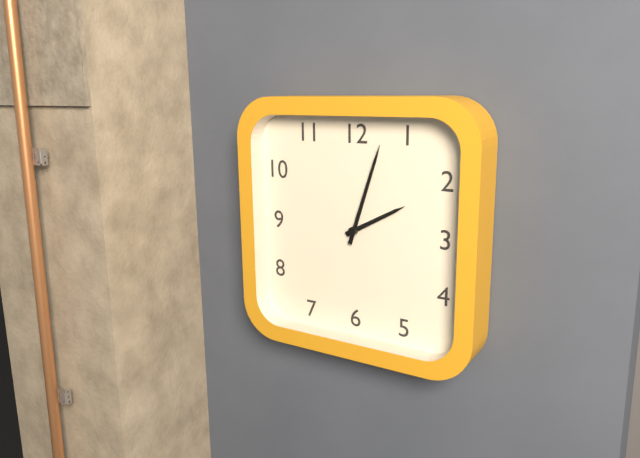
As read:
{"hour": 2, "minute": 3}
